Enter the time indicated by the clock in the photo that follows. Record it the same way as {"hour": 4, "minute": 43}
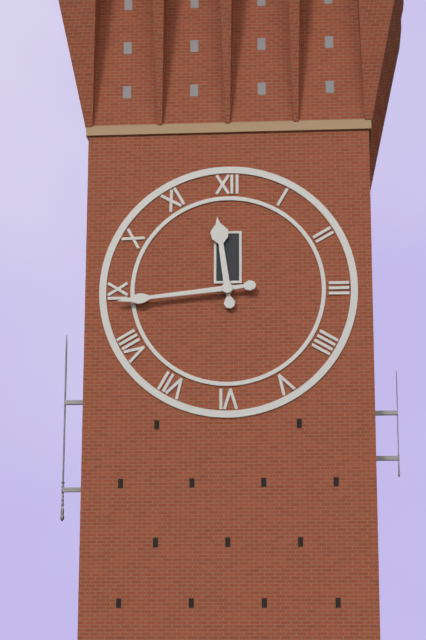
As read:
{"hour": 11, "minute": 44}
